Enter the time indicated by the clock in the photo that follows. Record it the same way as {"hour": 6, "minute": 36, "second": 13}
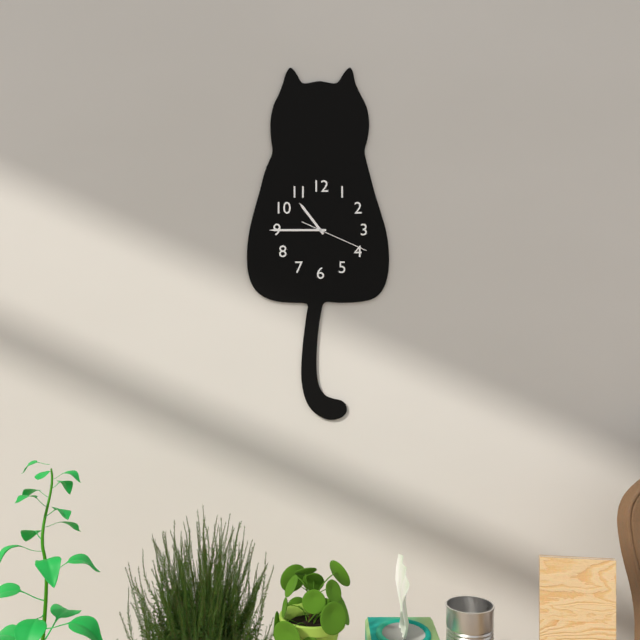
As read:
{"hour": 10, "minute": 45, "second": 19}
